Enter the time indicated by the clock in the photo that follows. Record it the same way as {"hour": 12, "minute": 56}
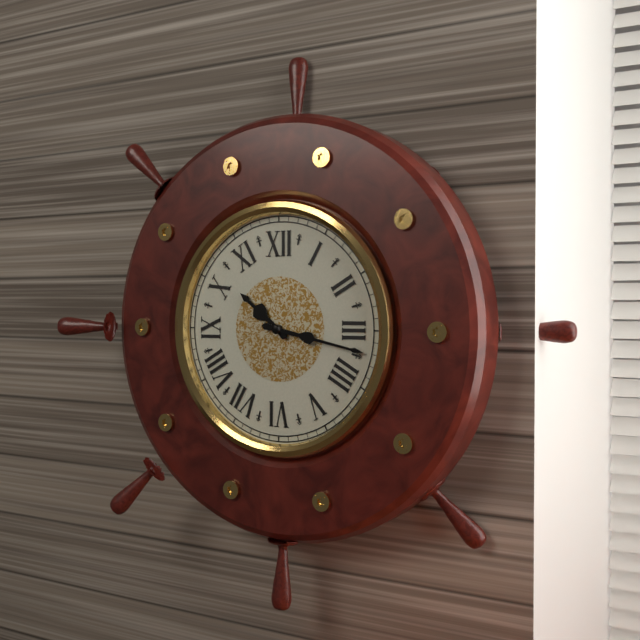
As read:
{"hour": 10, "minute": 17}
